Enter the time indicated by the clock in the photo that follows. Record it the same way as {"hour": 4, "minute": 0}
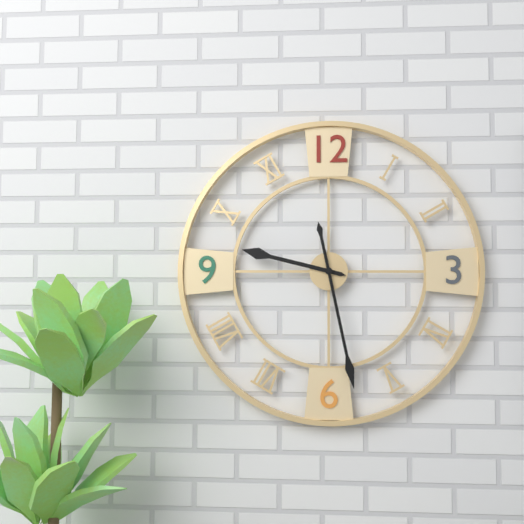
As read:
{"hour": 9, "minute": 28}
